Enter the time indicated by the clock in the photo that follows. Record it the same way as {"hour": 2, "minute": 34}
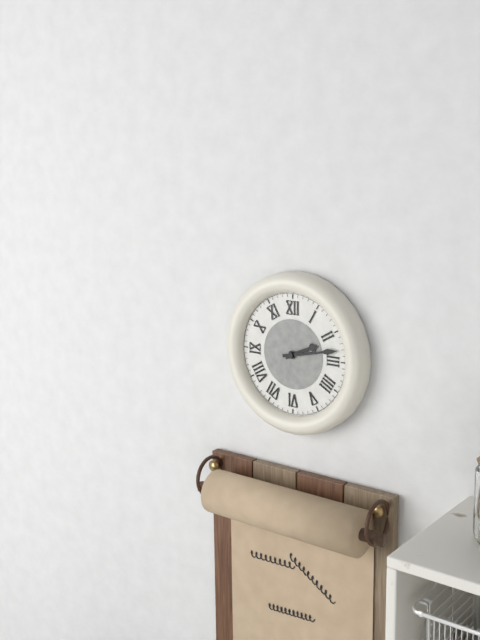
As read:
{"hour": 2, "minute": 13}
